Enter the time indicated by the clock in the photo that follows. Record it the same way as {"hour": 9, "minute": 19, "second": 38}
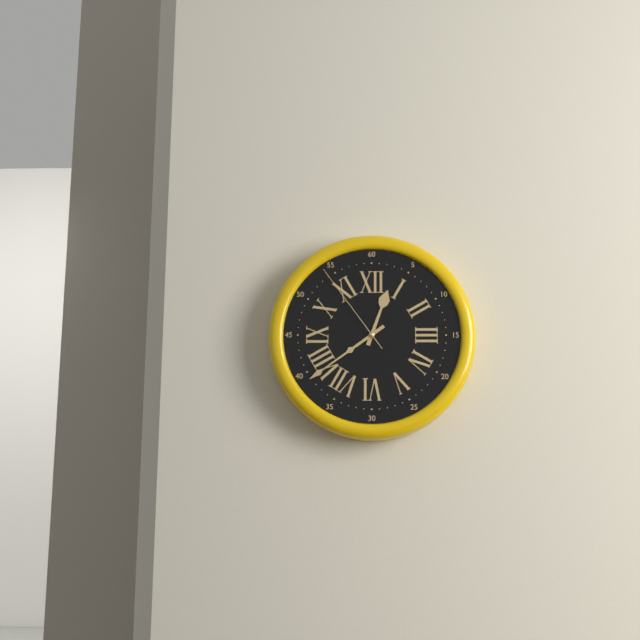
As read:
{"hour": 12, "minute": 39, "second": 54}
